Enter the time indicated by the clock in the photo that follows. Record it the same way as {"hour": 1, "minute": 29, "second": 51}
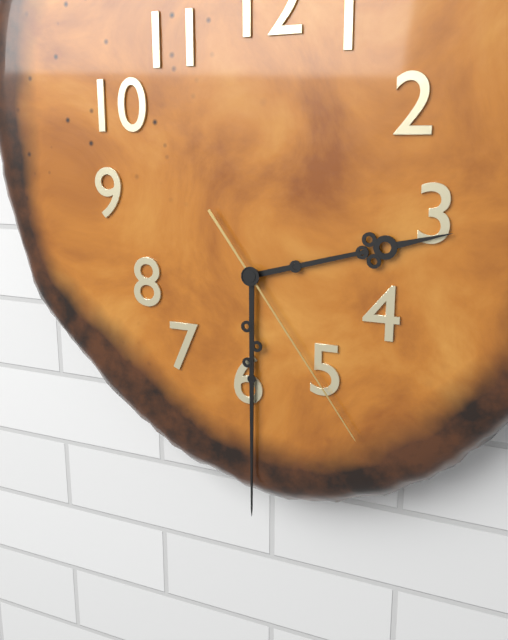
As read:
{"hour": 2, "minute": 30, "second": 24}
